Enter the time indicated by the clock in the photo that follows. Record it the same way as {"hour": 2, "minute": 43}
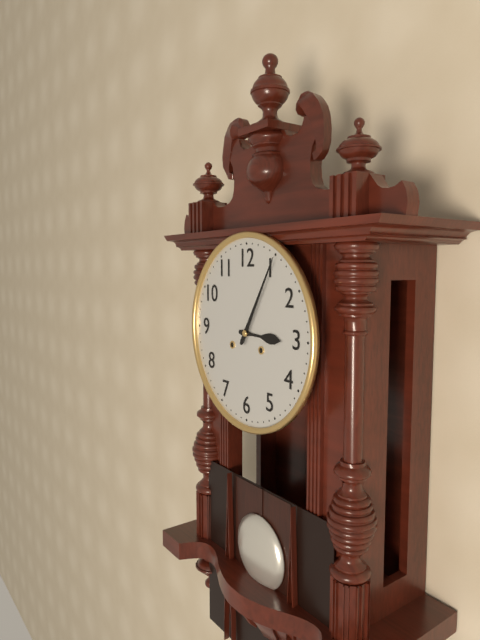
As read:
{"hour": 3, "minute": 5}
